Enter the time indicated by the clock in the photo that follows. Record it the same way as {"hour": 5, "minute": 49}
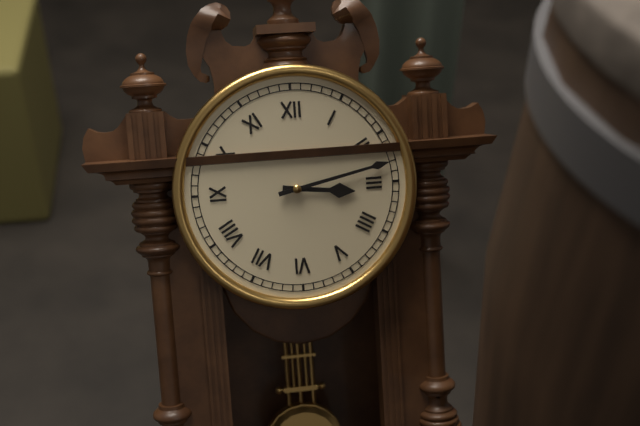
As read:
{"hour": 3, "minute": 13}
